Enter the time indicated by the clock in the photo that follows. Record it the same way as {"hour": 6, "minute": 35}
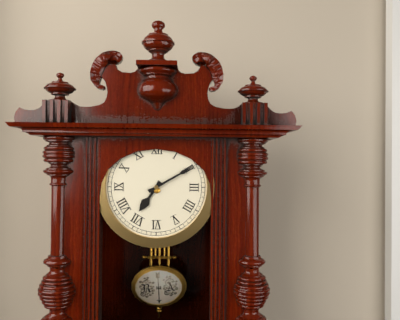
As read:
{"hour": 7, "minute": 10}
